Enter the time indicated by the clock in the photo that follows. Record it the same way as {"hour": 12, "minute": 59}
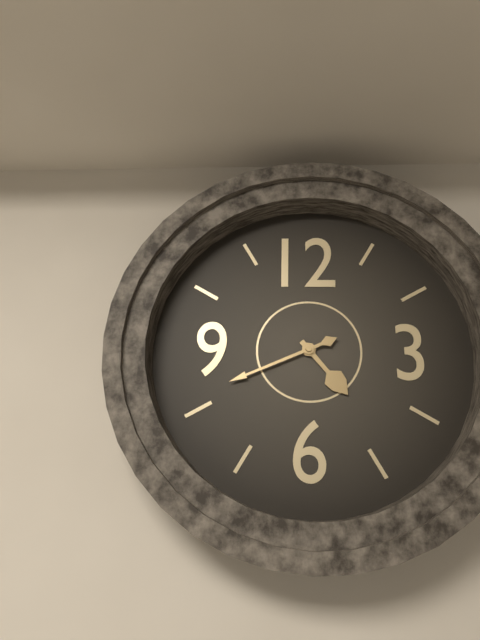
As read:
{"hour": 4, "minute": 41}
